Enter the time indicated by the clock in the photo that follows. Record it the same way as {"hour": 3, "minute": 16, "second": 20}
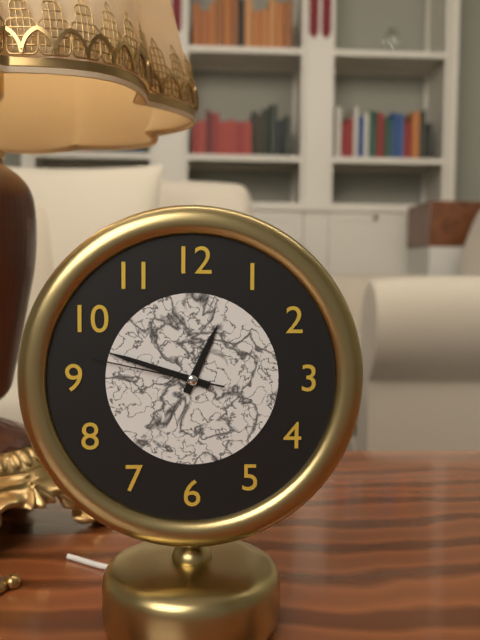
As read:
{"hour": 12, "minute": 48, "second": 47}
